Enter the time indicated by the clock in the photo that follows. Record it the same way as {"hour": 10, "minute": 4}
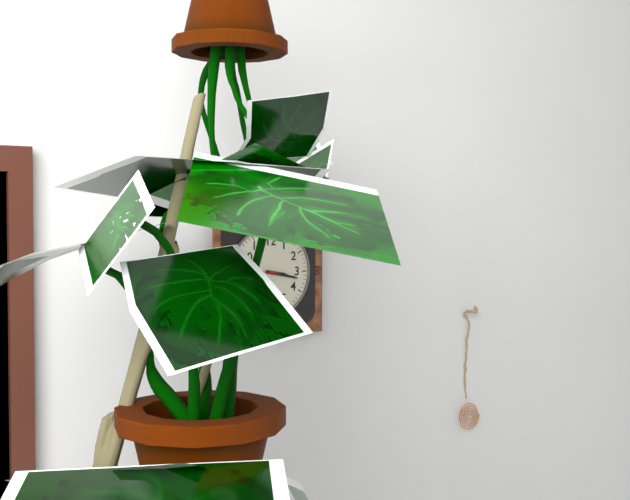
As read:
{"hour": 3, "minute": 17}
